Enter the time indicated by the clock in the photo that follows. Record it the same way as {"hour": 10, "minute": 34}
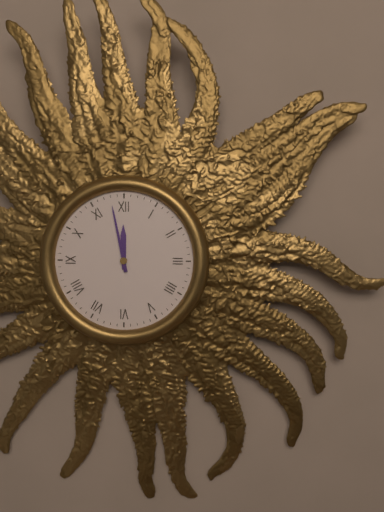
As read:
{"hour": 11, "minute": 58}
